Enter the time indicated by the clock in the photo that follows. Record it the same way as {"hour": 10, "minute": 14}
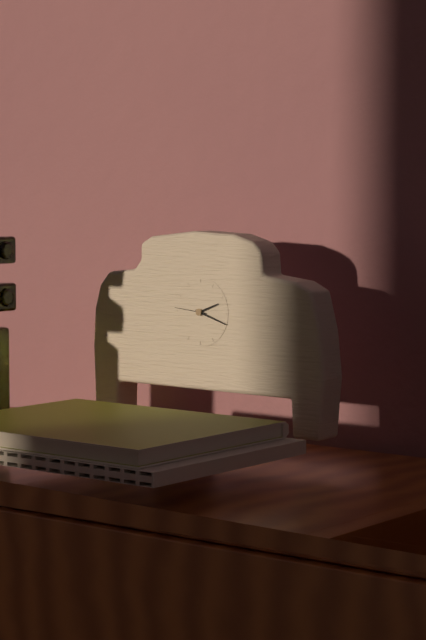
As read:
{"hour": 2, "minute": 18}
